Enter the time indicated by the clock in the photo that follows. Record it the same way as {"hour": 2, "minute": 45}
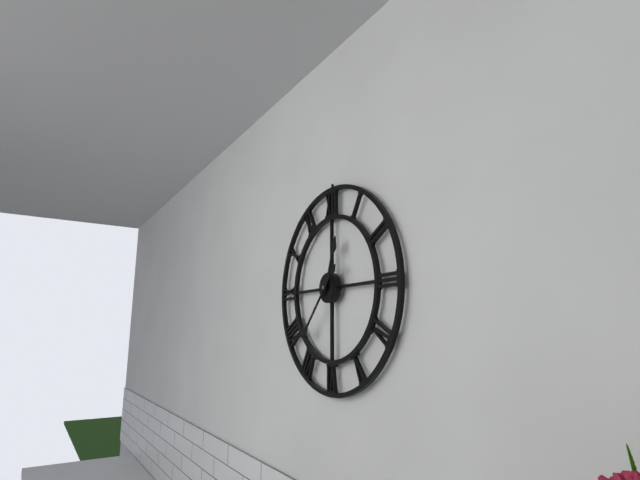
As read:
{"hour": 12, "minute": 37}
